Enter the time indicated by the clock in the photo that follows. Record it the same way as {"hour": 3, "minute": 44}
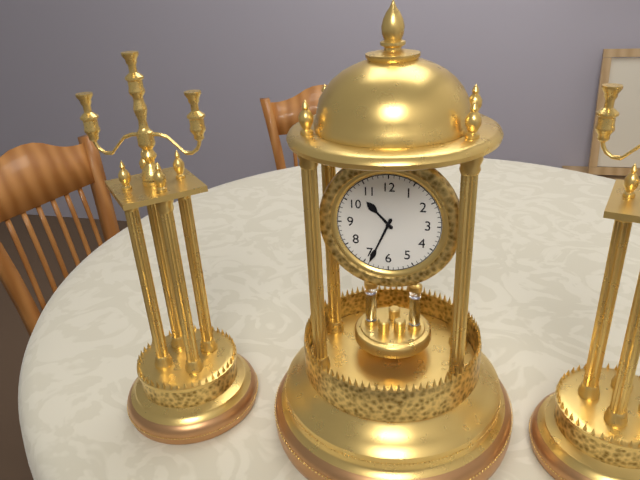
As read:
{"hour": 10, "minute": 34}
